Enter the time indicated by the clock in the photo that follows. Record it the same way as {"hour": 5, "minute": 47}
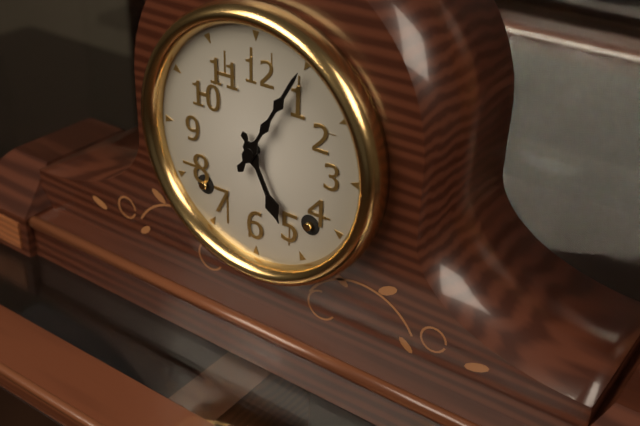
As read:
{"hour": 5, "minute": 5}
